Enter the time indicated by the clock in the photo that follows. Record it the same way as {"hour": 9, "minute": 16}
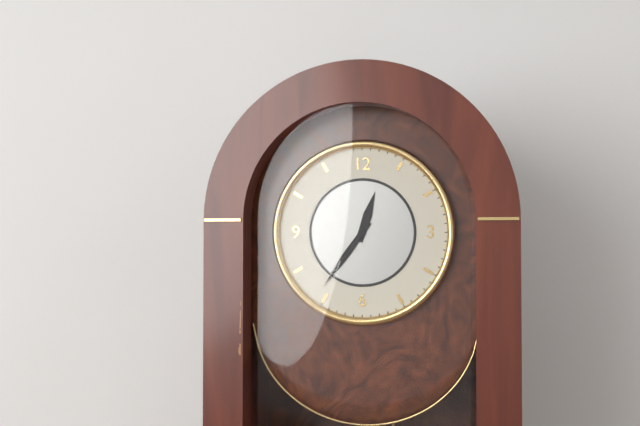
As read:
{"hour": 12, "minute": 36}
